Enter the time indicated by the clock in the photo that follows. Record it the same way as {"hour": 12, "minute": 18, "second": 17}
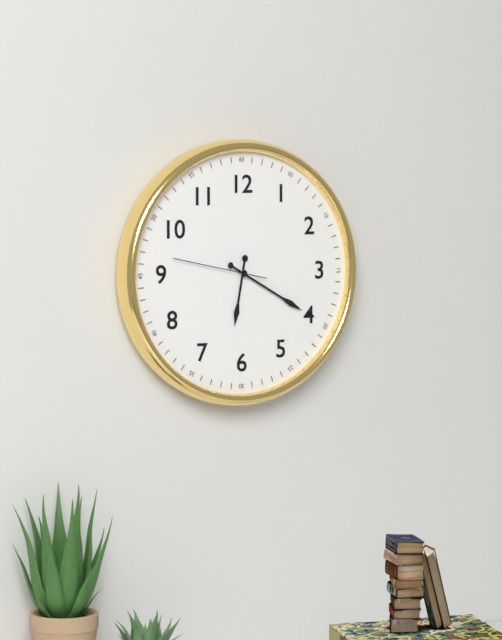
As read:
{"hour": 6, "minute": 20, "second": 47}
